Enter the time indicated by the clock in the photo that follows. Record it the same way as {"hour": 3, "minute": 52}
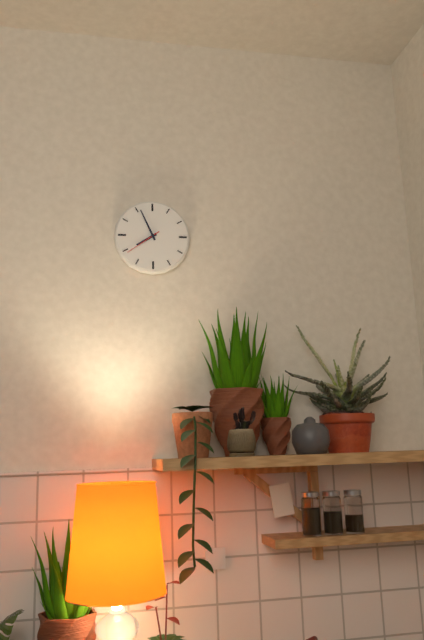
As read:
{"hour": 7, "minute": 56}
